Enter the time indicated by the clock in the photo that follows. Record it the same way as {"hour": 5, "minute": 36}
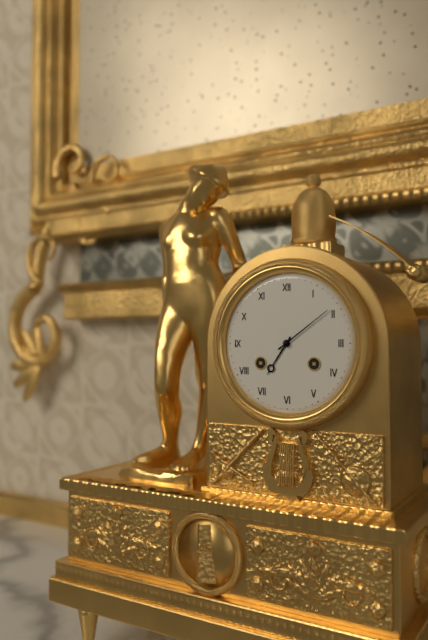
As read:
{"hour": 7, "minute": 9}
